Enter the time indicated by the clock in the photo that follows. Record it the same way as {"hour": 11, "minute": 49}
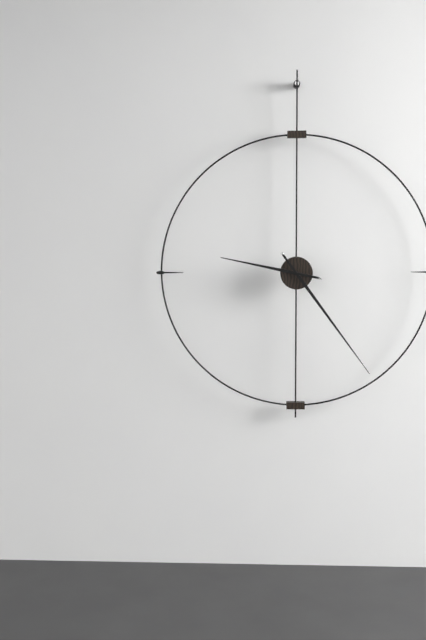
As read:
{"hour": 9, "minute": 24}
